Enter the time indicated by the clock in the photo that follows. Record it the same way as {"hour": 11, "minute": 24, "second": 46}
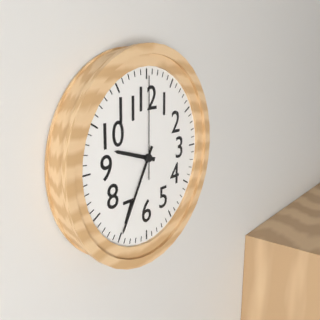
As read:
{"hour": 9, "minute": 35, "second": 0}
